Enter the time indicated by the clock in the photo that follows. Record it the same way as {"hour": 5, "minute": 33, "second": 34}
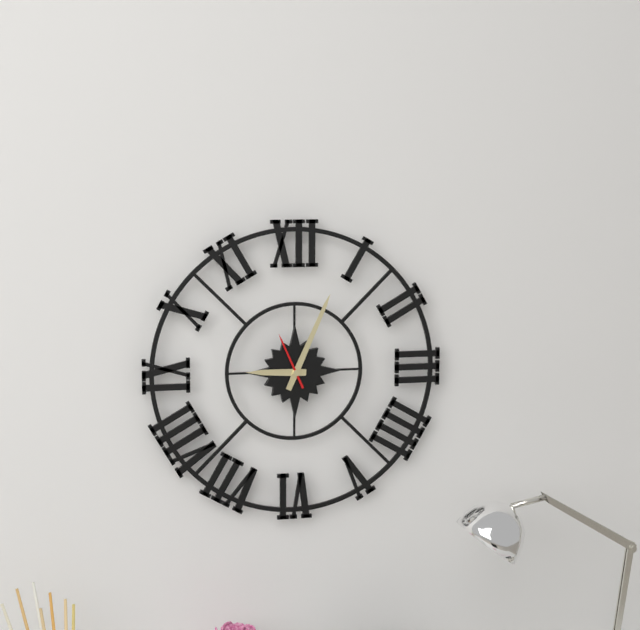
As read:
{"hour": 9, "minute": 4, "second": 56}
